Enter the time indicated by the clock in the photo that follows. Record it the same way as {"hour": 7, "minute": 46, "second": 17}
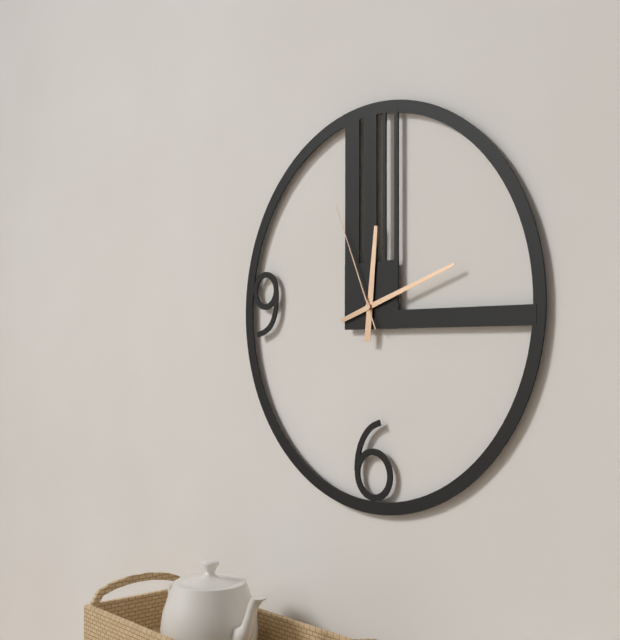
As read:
{"hour": 12, "minute": 12, "second": 56}
